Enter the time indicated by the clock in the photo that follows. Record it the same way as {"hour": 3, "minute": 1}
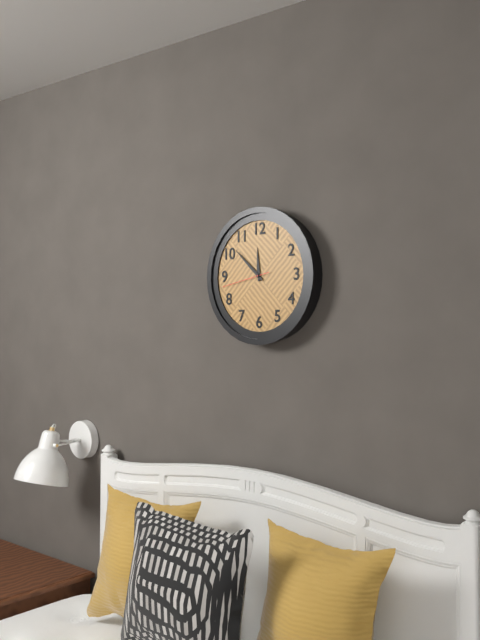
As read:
{"hour": 11, "minute": 52}
